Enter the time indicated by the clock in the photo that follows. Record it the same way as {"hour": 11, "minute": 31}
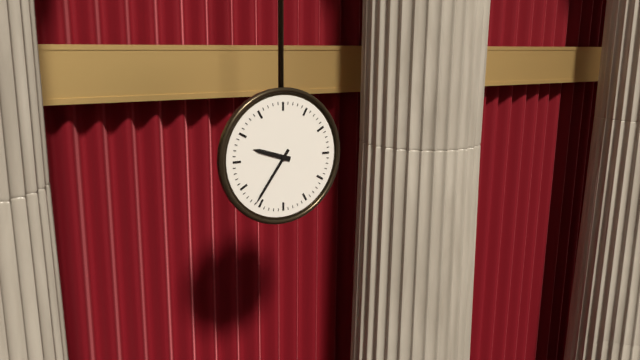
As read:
{"hour": 9, "minute": 36}
